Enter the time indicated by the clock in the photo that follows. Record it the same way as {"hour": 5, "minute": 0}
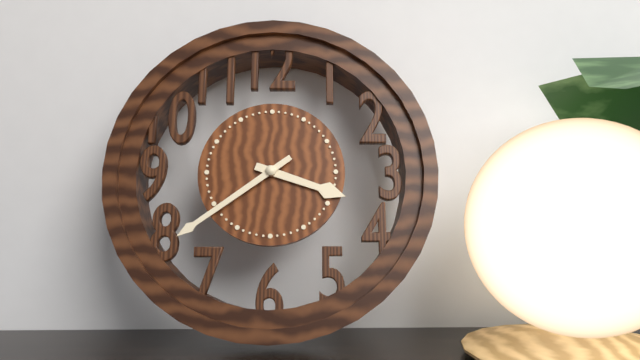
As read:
{"hour": 3, "minute": 39}
